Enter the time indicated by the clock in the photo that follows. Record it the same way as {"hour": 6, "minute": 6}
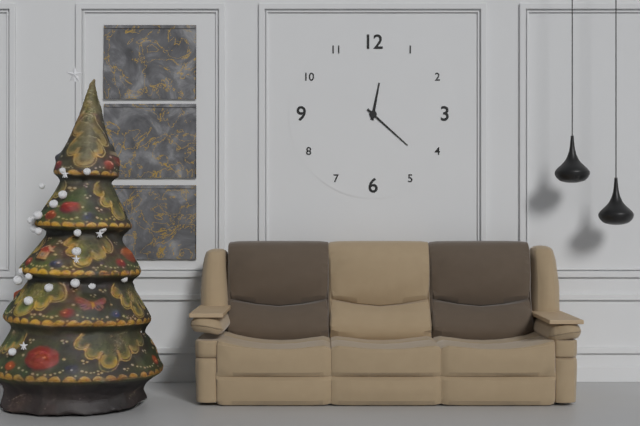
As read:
{"hour": 12, "minute": 22}
